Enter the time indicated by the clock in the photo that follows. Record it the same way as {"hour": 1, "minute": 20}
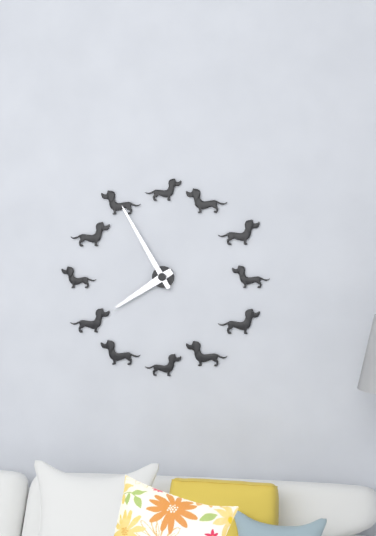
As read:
{"hour": 7, "minute": 55}
